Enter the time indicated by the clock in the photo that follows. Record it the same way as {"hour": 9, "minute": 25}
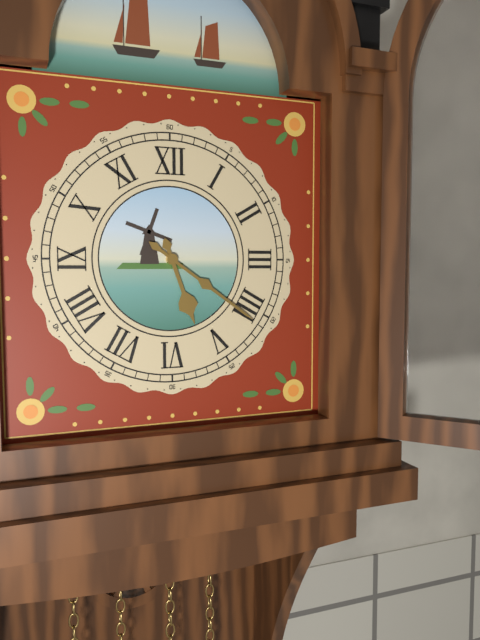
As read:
{"hour": 5, "minute": 21}
